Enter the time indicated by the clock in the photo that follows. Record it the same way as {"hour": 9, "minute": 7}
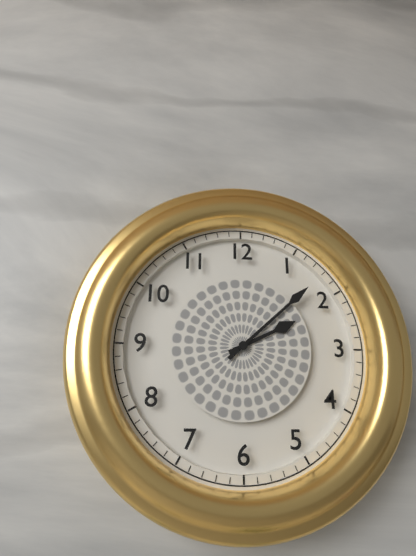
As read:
{"hour": 2, "minute": 8}
